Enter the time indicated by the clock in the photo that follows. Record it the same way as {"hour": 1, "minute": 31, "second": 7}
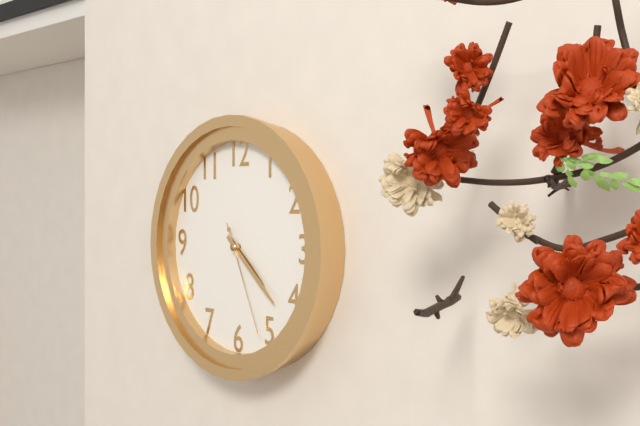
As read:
{"hour": 4, "minute": 22, "second": 26}
